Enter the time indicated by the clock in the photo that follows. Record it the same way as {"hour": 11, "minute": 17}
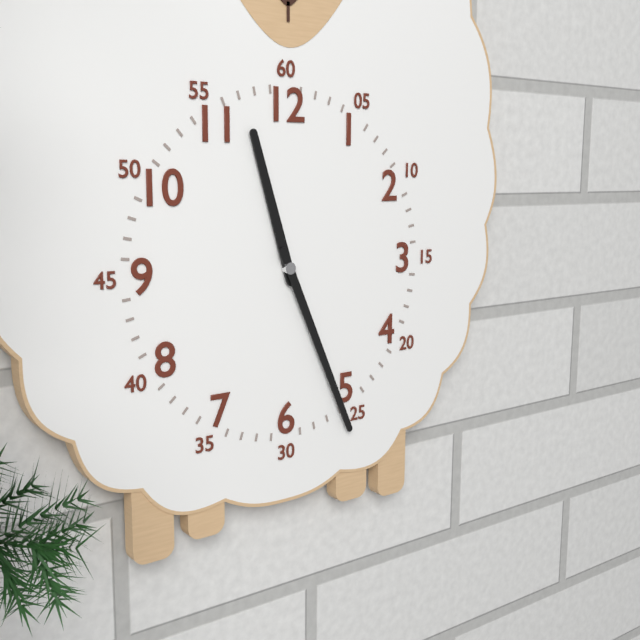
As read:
{"hour": 11, "minute": 26}
